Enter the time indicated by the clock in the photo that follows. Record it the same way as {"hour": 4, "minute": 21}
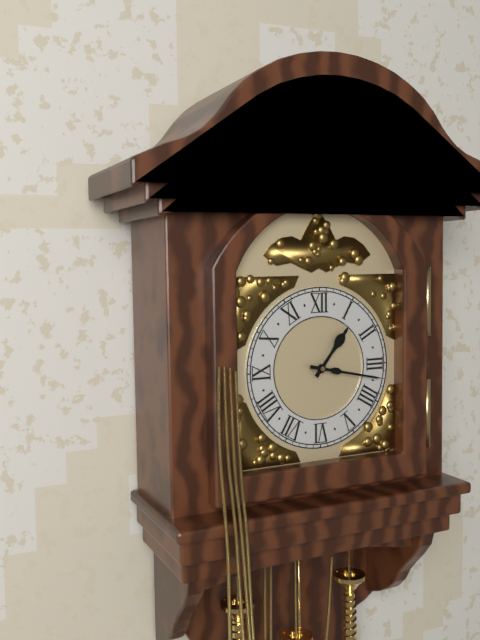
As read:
{"hour": 1, "minute": 17}
